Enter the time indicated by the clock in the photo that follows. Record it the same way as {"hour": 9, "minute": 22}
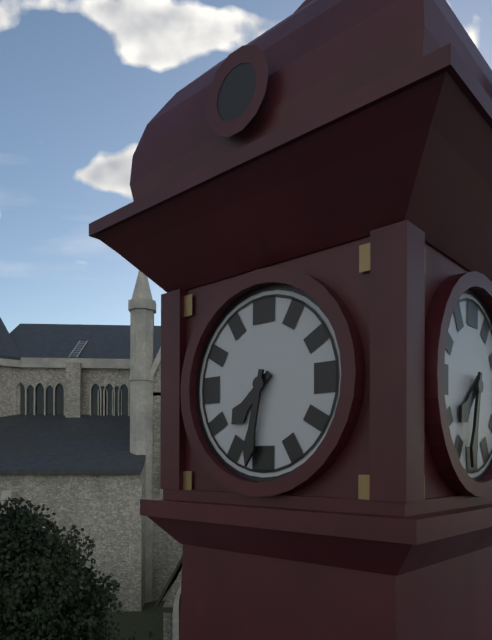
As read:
{"hour": 7, "minute": 32}
